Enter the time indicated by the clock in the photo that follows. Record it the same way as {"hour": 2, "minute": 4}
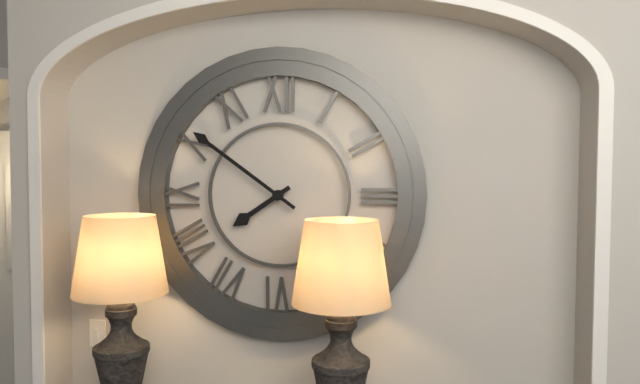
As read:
{"hour": 7, "minute": 51}
